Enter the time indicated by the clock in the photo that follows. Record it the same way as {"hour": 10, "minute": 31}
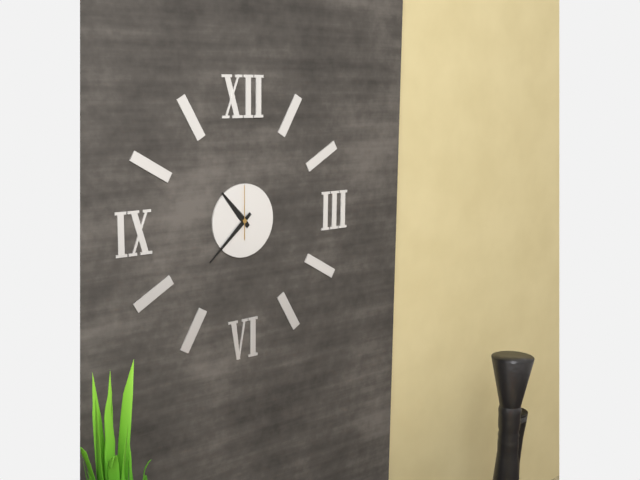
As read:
{"hour": 10, "minute": 38}
